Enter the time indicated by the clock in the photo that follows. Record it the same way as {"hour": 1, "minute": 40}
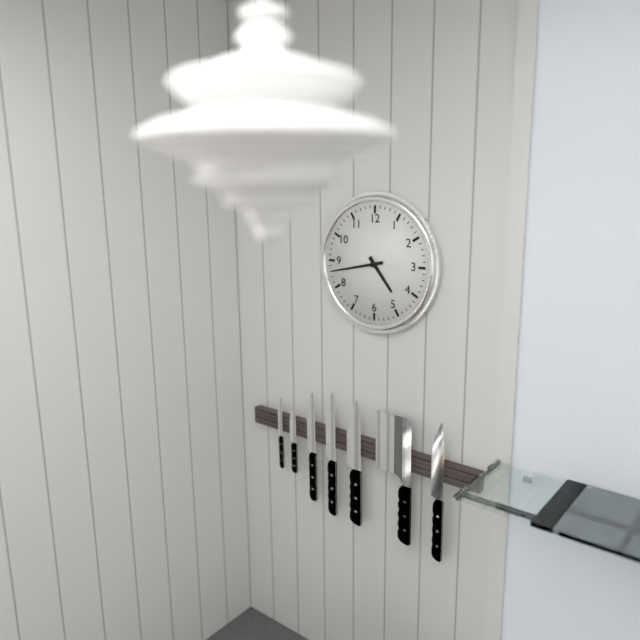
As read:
{"hour": 4, "minute": 43}
